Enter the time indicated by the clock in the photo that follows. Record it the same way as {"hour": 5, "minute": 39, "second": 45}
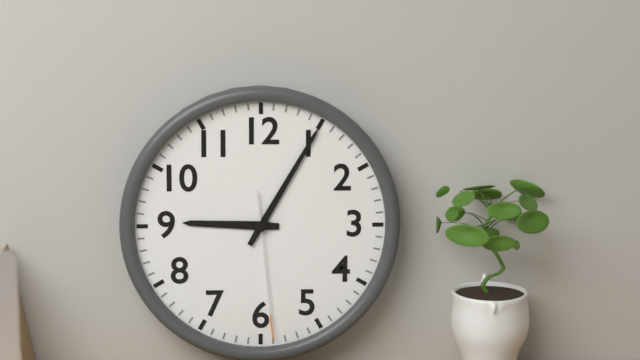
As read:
{"hour": 9, "minute": 5, "second": 29}
